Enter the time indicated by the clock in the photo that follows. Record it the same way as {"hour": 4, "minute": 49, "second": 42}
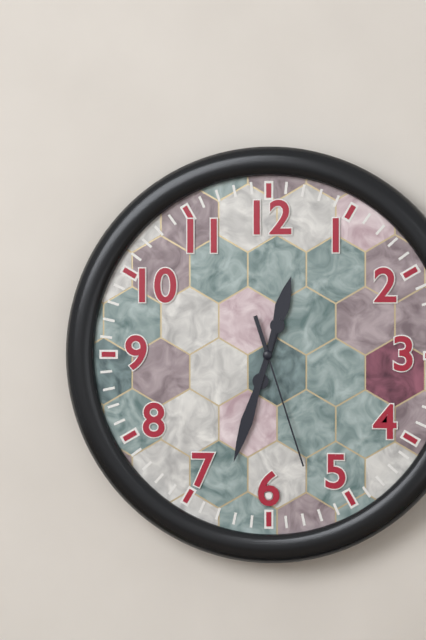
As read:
{"hour": 12, "minute": 33, "second": 27}
